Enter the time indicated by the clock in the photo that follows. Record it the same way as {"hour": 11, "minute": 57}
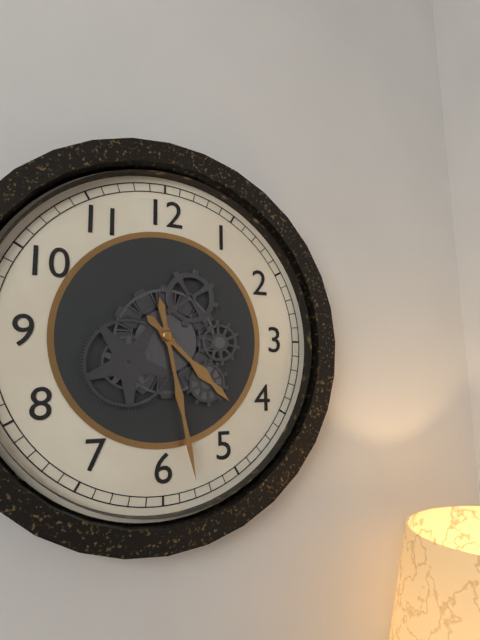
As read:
{"hour": 4, "minute": 28}
